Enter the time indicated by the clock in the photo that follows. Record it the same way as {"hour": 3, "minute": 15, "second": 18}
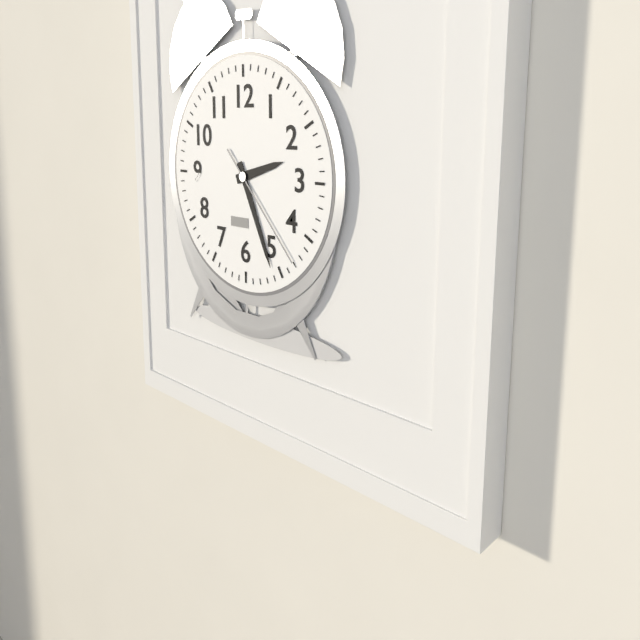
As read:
{"hour": 2, "minute": 26, "second": 23}
